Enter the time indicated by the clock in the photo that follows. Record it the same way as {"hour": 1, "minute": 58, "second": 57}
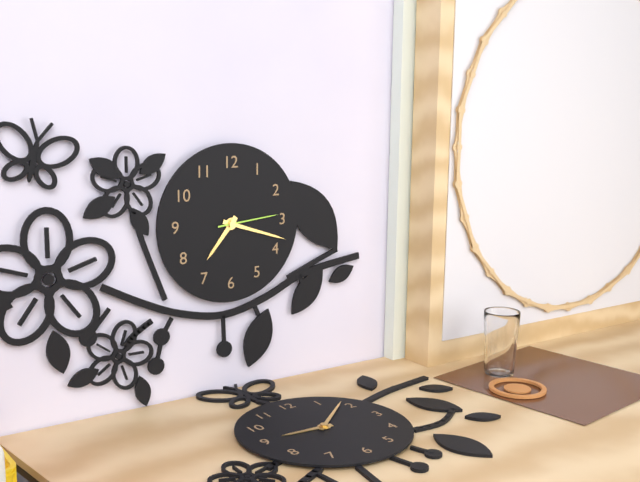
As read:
{"hour": 7, "minute": 18, "second": 14}
